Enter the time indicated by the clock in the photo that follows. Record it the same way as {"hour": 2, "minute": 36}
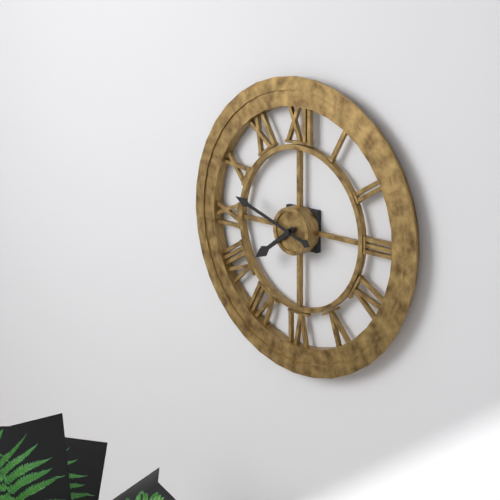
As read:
{"hour": 7, "minute": 48}
